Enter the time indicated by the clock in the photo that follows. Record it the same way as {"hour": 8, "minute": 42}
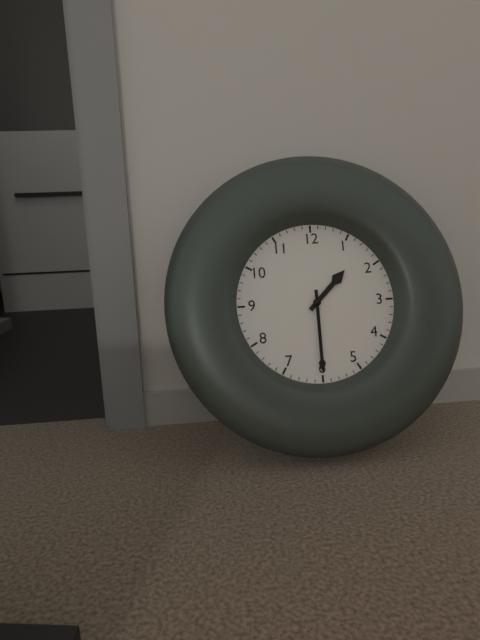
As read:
{"hour": 1, "minute": 30}
